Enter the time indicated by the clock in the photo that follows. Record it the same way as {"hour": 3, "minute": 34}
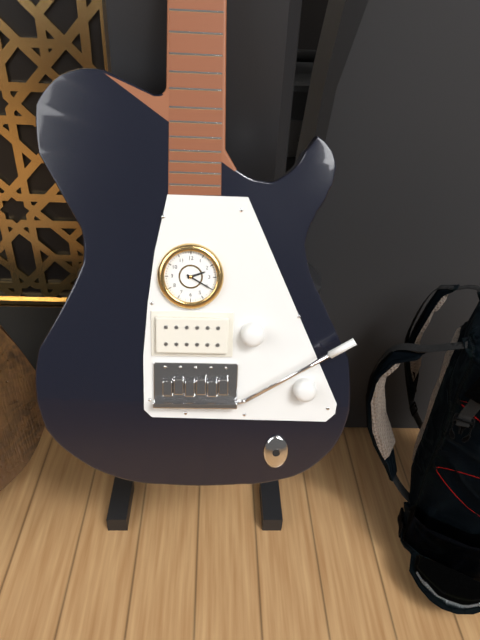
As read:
{"hour": 2, "minute": 20}
